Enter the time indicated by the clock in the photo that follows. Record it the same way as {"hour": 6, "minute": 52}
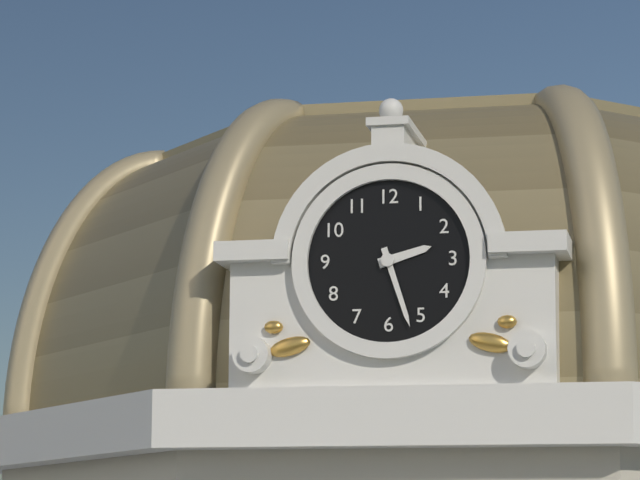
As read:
{"hour": 2, "minute": 27}
